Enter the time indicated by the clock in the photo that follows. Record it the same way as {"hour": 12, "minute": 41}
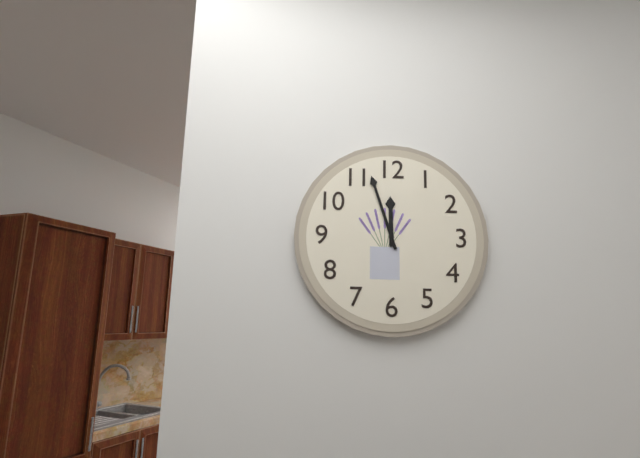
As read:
{"hour": 11, "minute": 57}
